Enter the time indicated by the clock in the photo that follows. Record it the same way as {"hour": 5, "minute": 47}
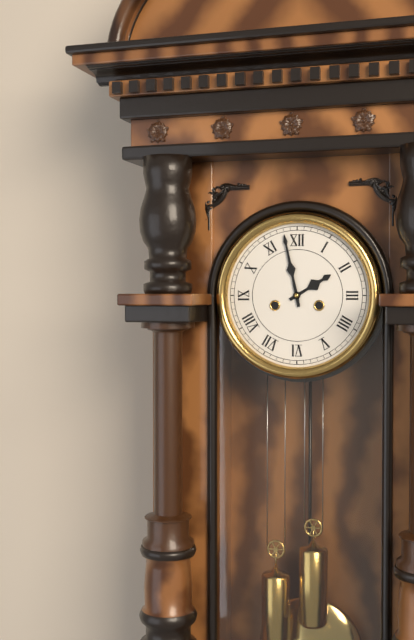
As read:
{"hour": 1, "minute": 58}
